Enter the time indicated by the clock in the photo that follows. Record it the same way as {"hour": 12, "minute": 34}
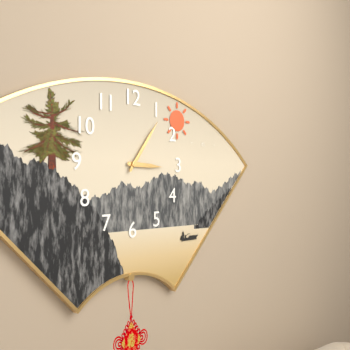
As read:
{"hour": 3, "minute": 6}
